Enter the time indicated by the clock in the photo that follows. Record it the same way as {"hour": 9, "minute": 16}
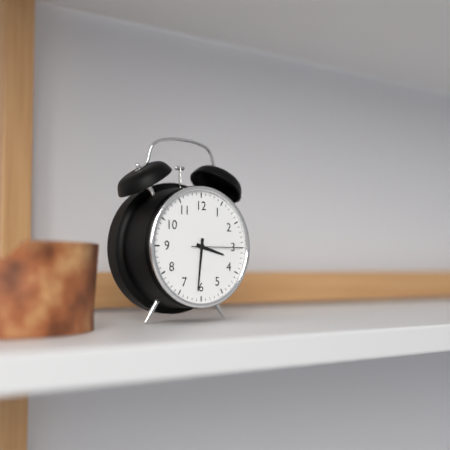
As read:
{"hour": 3, "minute": 31}
